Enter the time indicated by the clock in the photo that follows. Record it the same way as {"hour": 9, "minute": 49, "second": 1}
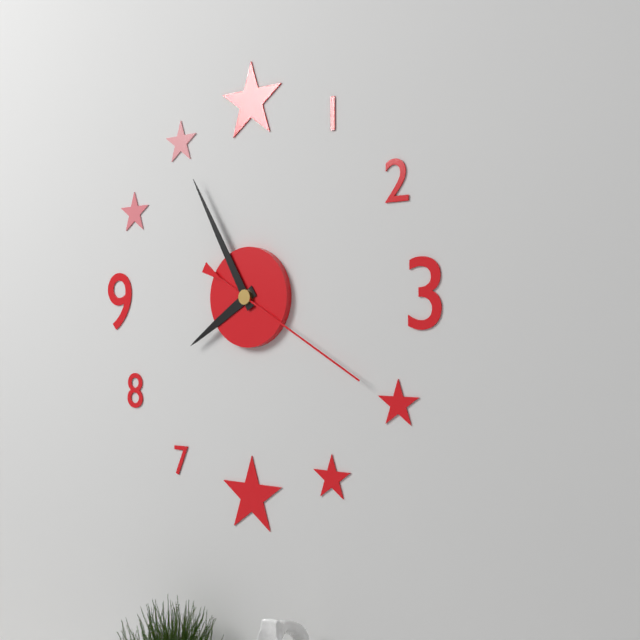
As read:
{"hour": 7, "minute": 55, "second": 20}
